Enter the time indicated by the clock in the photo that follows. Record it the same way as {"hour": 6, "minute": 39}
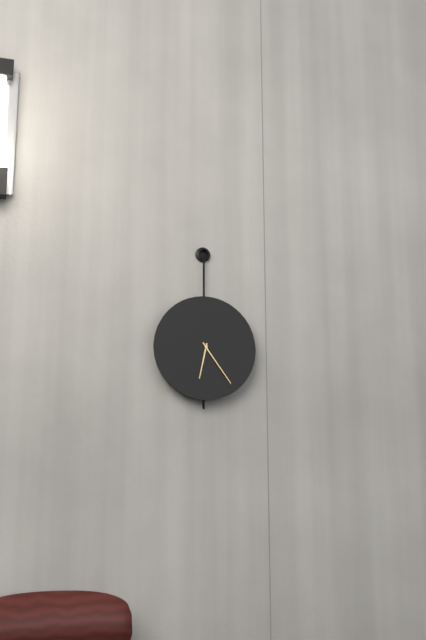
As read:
{"hour": 6, "minute": 24}
